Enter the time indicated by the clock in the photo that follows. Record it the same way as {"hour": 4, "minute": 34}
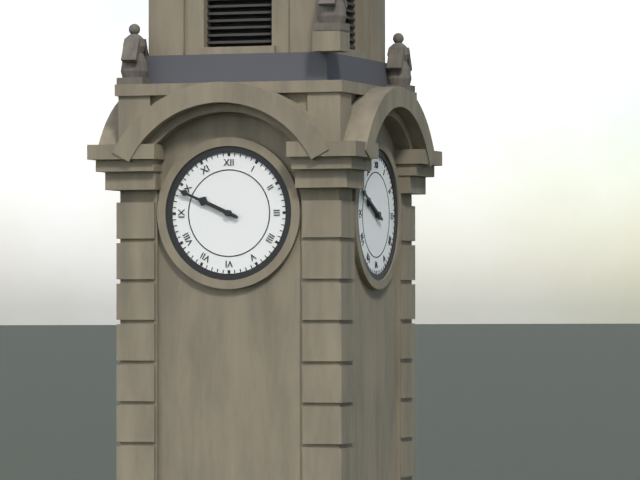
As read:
{"hour": 9, "minute": 49}
